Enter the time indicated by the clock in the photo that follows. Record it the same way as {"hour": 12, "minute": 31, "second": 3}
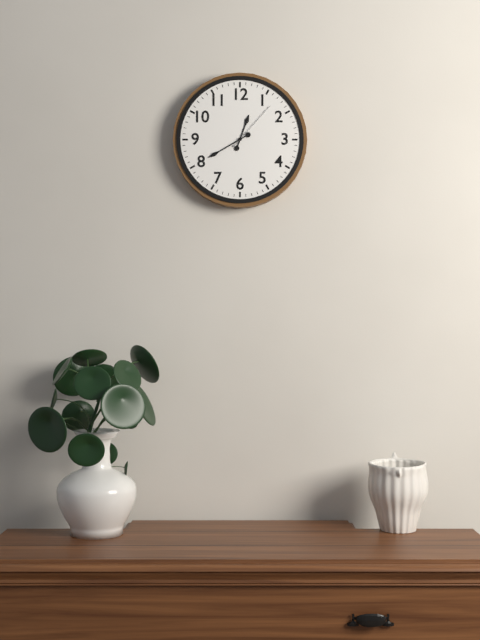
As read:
{"hour": 12, "minute": 40, "second": 7}
